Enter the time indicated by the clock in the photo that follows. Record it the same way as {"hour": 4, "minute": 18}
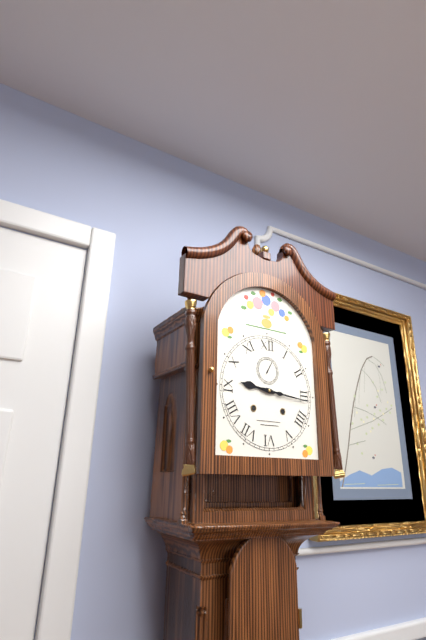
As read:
{"hour": 9, "minute": 16}
